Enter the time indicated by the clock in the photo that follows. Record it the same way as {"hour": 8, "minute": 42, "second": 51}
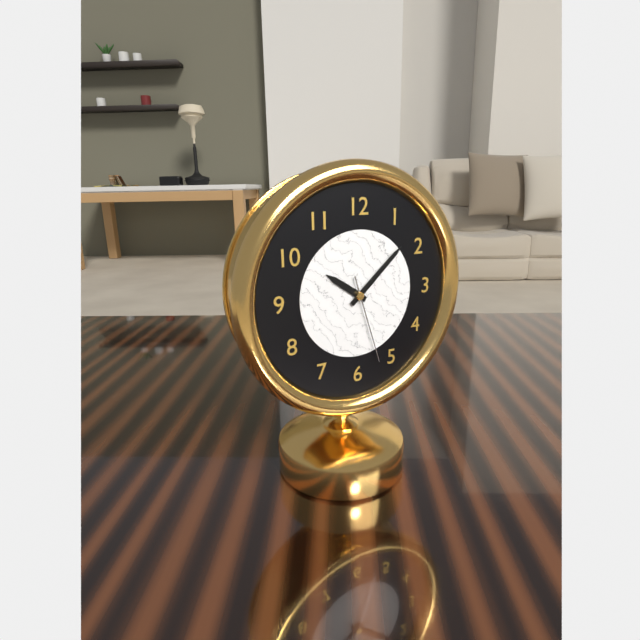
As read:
{"hour": 10, "minute": 8, "second": 27}
